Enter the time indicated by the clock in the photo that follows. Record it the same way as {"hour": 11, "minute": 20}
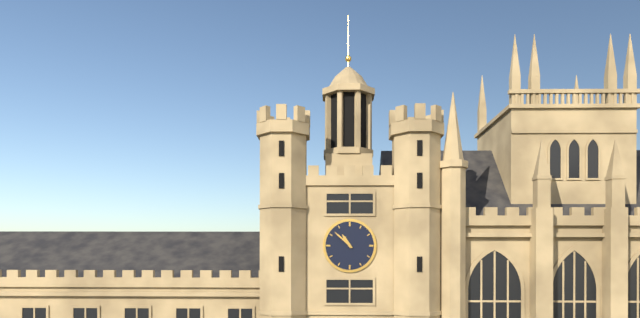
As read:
{"hour": 10, "minute": 52}
